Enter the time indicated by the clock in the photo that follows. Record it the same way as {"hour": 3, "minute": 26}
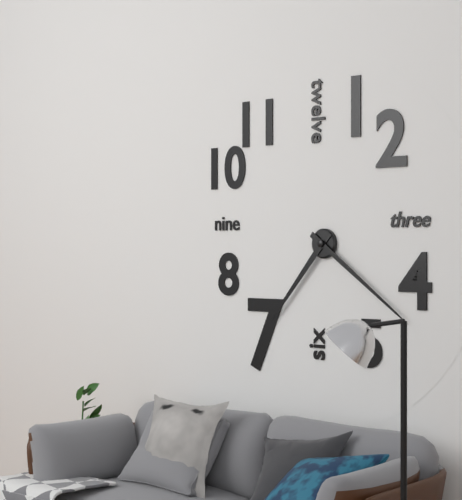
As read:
{"hour": 7, "minute": 21}
